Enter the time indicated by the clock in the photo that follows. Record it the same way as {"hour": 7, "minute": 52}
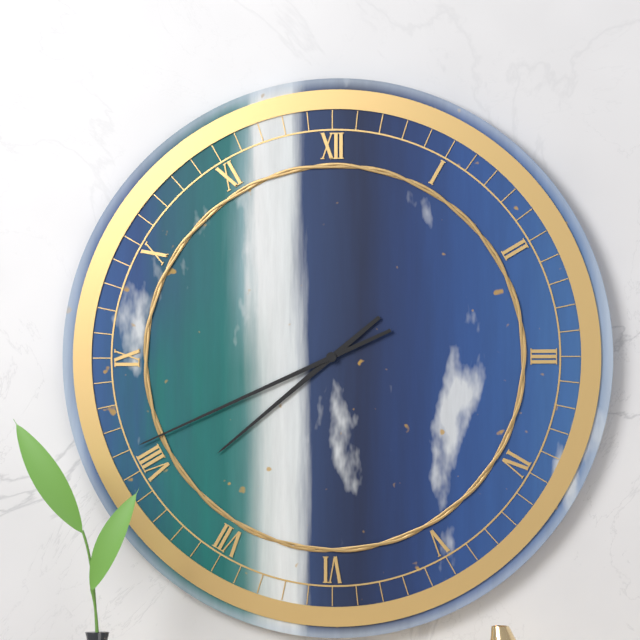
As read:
{"hour": 7, "minute": 41}
